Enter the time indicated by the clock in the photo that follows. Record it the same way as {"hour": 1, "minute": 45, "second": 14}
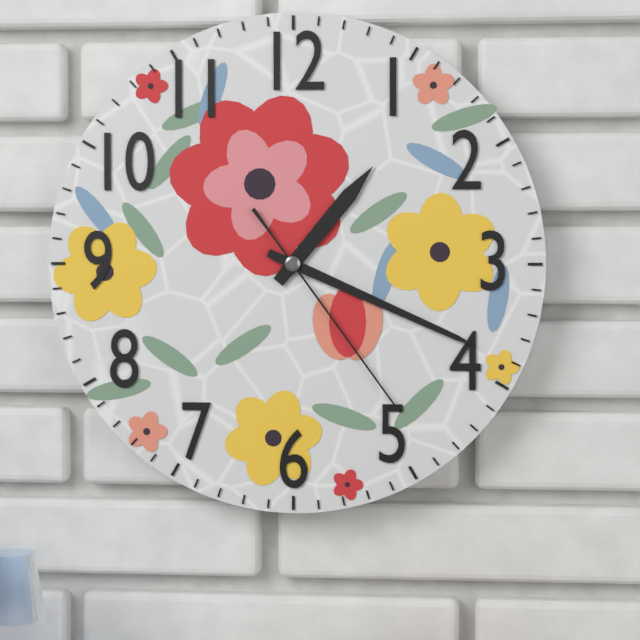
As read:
{"hour": 1, "minute": 19, "second": 24}
